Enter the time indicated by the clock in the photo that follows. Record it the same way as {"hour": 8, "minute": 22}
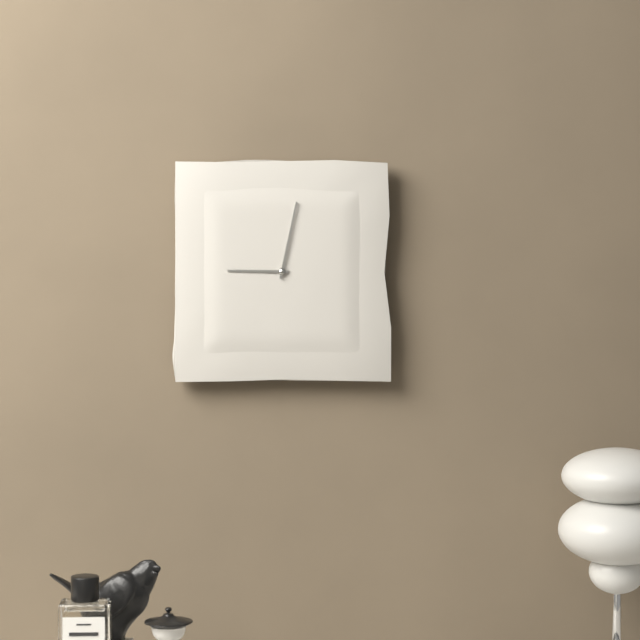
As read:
{"hour": 9, "minute": 2}
